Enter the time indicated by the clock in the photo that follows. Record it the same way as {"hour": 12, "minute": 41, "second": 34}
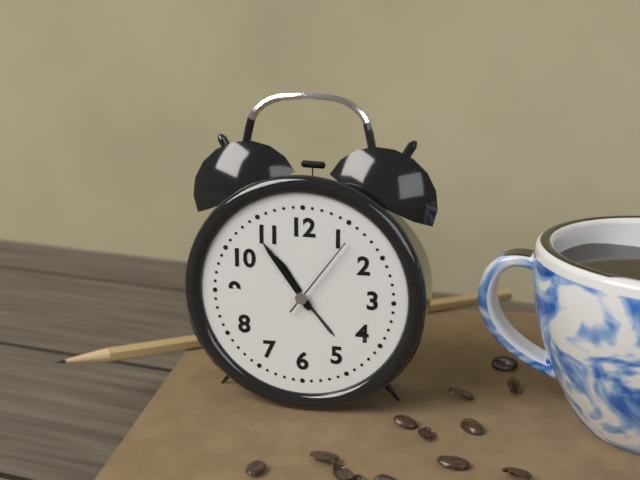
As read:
{"hour": 10, "minute": 54, "second": 6}
